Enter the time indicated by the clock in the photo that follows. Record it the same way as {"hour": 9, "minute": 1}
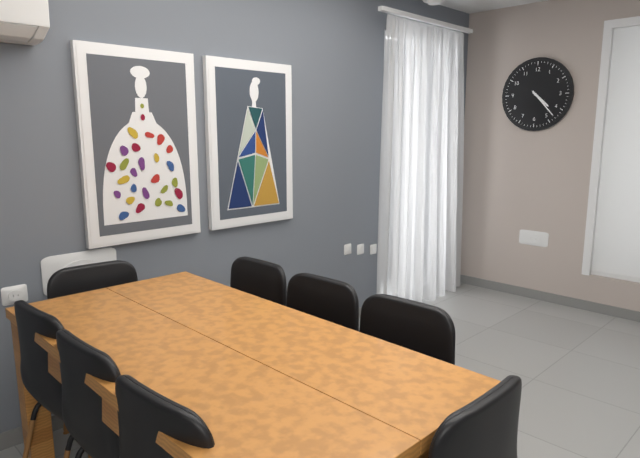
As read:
{"hour": 4, "minute": 23}
